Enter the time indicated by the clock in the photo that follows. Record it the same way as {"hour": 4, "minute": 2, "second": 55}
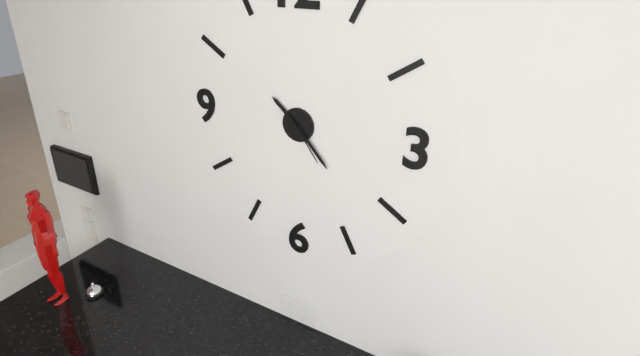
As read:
{"hour": 10, "minute": 23, "second": 24}
